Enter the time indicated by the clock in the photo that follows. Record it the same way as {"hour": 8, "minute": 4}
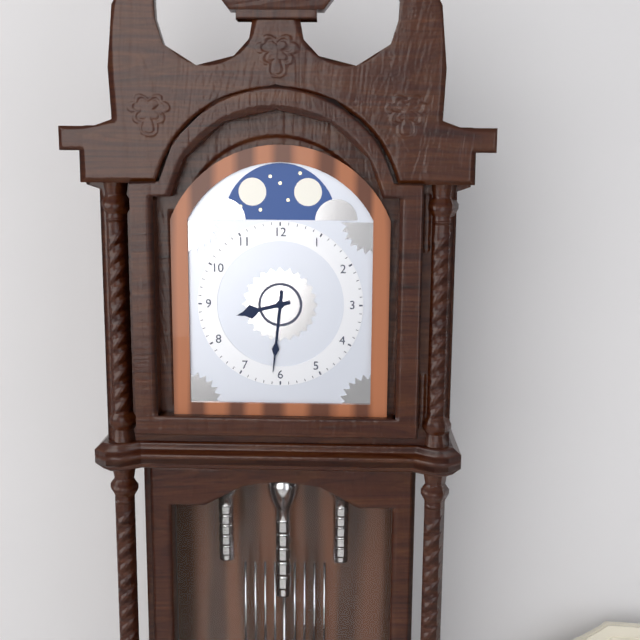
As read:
{"hour": 8, "minute": 31}
